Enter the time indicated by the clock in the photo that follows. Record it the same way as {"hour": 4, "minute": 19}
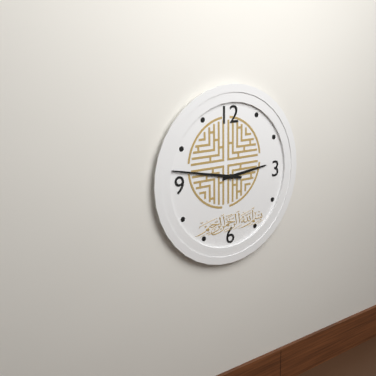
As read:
{"hour": 2, "minute": 47}
